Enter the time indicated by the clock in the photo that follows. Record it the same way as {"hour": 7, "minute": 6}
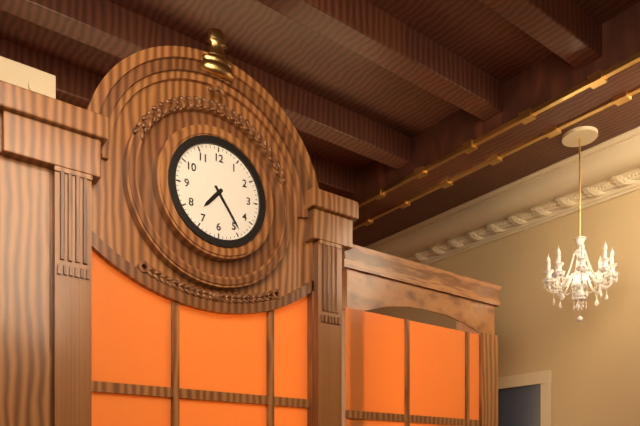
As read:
{"hour": 7, "minute": 24}
